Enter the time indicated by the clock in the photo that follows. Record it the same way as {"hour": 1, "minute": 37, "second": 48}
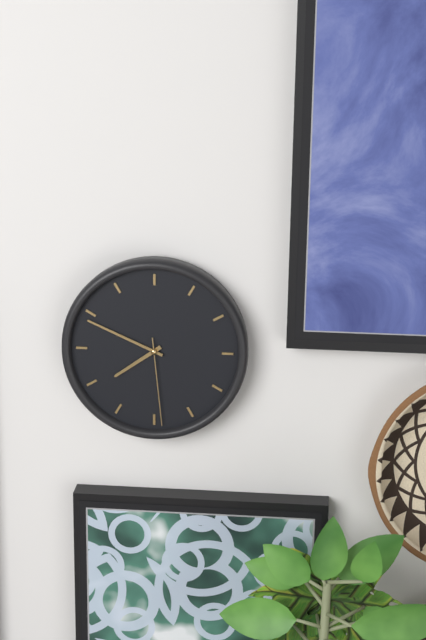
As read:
{"hour": 7, "minute": 49, "second": 29}
